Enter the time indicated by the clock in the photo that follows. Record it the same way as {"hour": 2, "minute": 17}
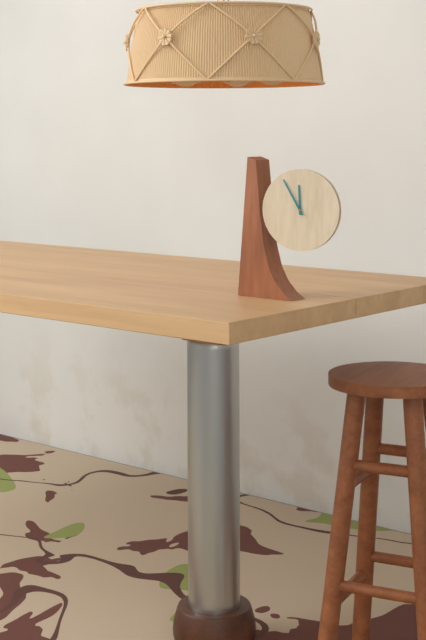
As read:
{"hour": 11, "minute": 55}
